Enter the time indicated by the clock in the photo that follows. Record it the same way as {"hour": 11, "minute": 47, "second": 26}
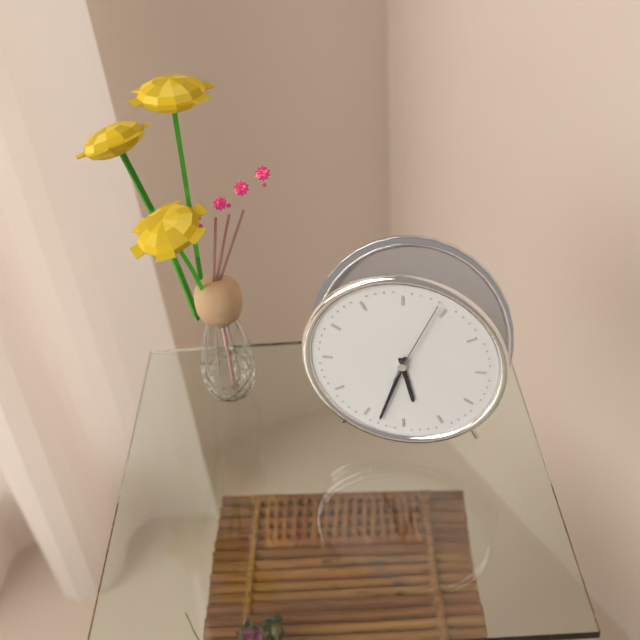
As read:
{"hour": 5, "minute": 33, "second": 4}
